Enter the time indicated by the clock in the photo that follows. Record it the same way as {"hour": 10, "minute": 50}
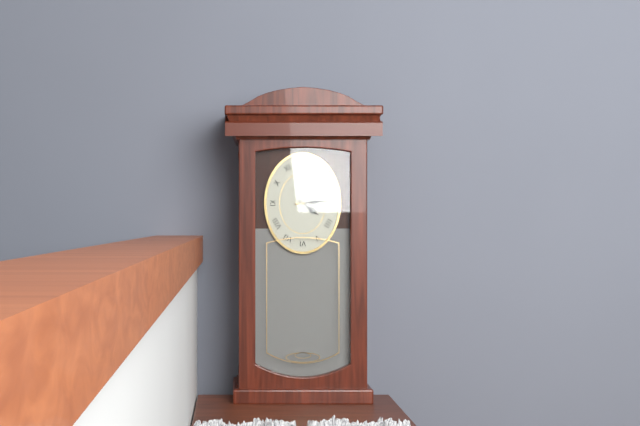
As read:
{"hour": 4, "minute": 14}
